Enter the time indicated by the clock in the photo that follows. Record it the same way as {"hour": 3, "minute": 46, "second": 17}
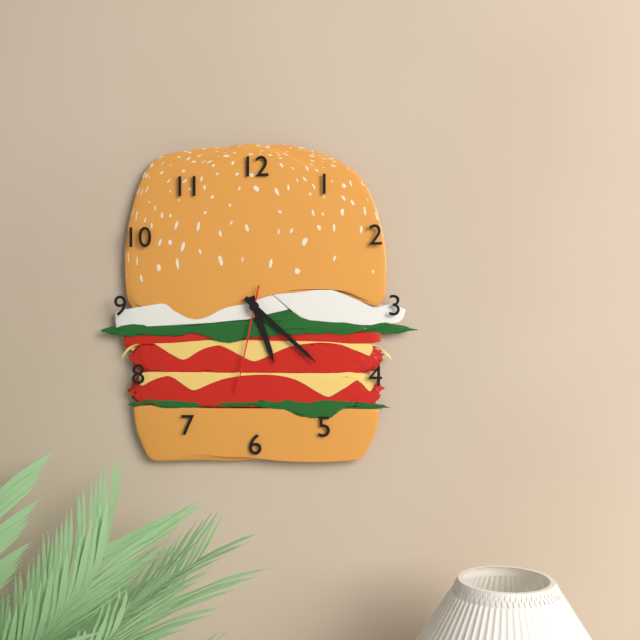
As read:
{"hour": 5, "minute": 22, "second": 32}
